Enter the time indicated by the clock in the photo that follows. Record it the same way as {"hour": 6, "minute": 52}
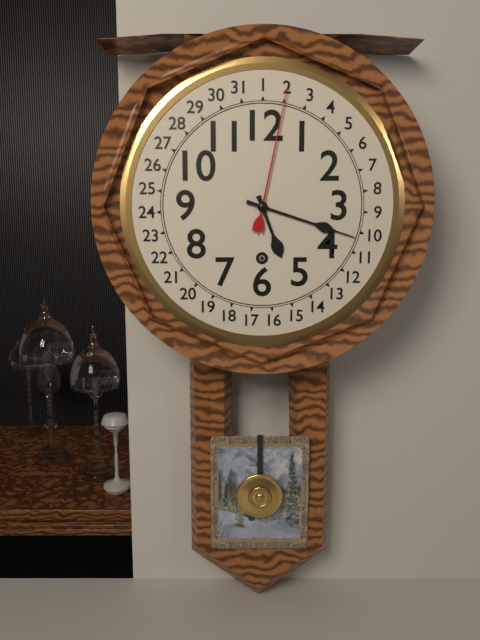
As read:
{"hour": 5, "minute": 18}
